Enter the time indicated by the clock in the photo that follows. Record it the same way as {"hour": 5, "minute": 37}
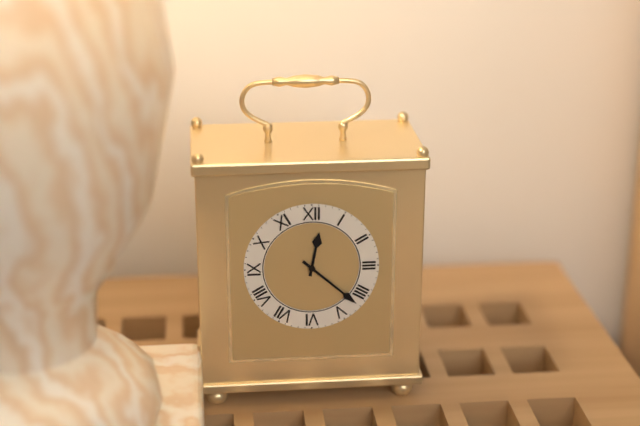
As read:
{"hour": 12, "minute": 22}
